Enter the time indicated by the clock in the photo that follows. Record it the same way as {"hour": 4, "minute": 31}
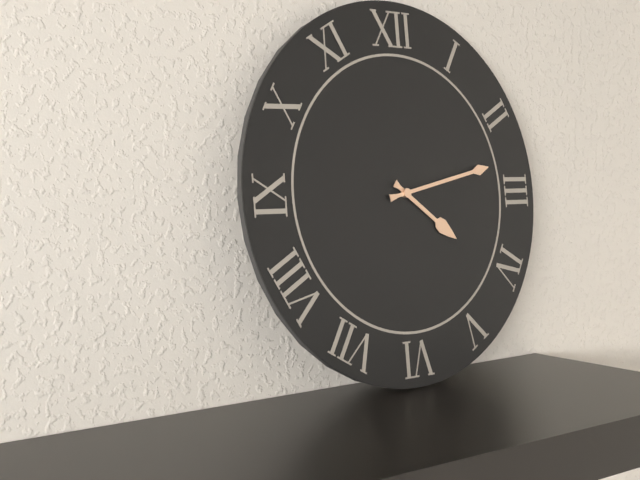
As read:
{"hour": 4, "minute": 13}
